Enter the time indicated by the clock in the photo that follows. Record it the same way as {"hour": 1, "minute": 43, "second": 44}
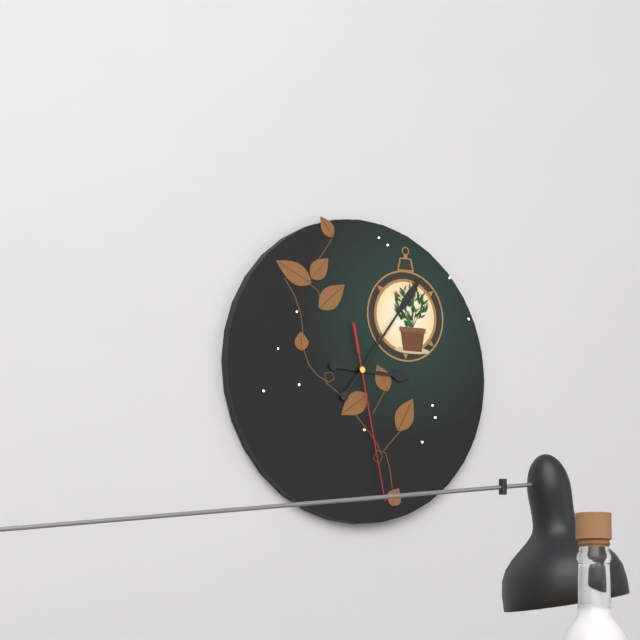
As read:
{"hour": 3, "minute": 6, "second": 28}
